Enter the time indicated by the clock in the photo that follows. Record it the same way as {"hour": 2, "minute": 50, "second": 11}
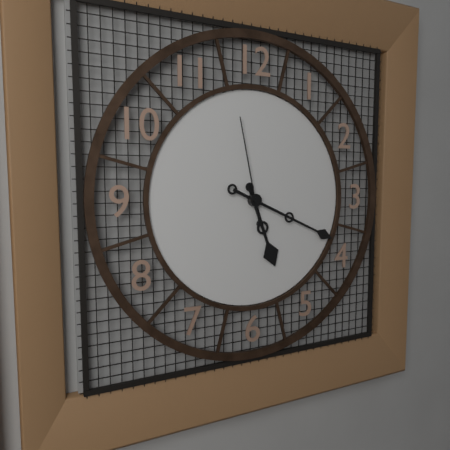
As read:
{"hour": 5, "minute": 19, "second": 58}
